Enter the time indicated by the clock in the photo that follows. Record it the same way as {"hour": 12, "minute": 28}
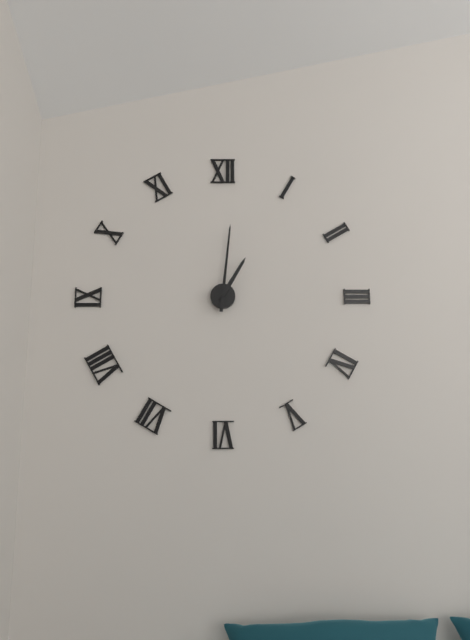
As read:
{"hour": 1, "minute": 1}
